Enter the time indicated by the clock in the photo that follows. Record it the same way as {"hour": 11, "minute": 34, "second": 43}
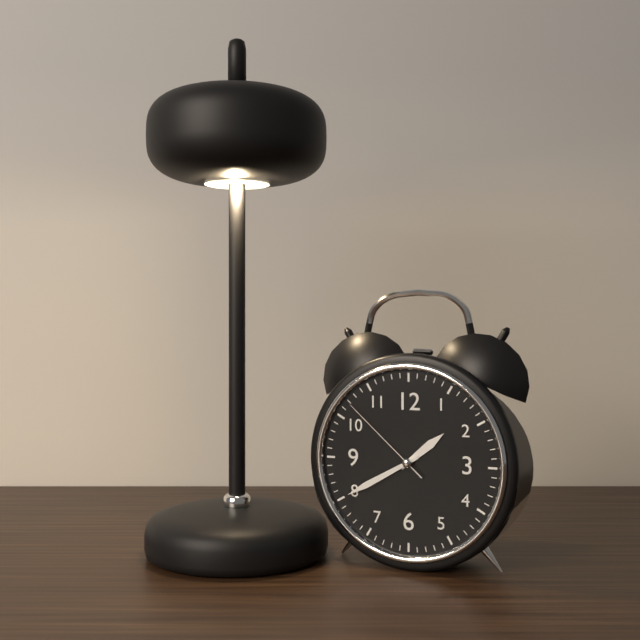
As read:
{"hour": 1, "minute": 40, "second": 52}
